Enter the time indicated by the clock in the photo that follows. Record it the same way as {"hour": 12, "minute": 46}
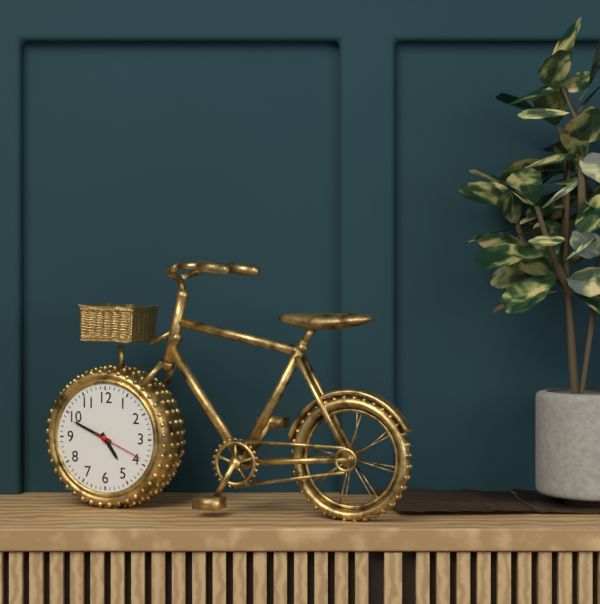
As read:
{"hour": 4, "minute": 49}
